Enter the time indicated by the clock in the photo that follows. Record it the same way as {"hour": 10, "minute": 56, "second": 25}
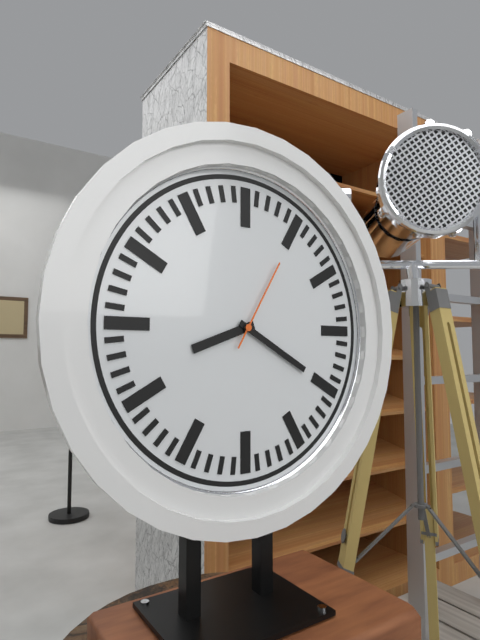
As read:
{"hour": 8, "minute": 20, "second": 5}
